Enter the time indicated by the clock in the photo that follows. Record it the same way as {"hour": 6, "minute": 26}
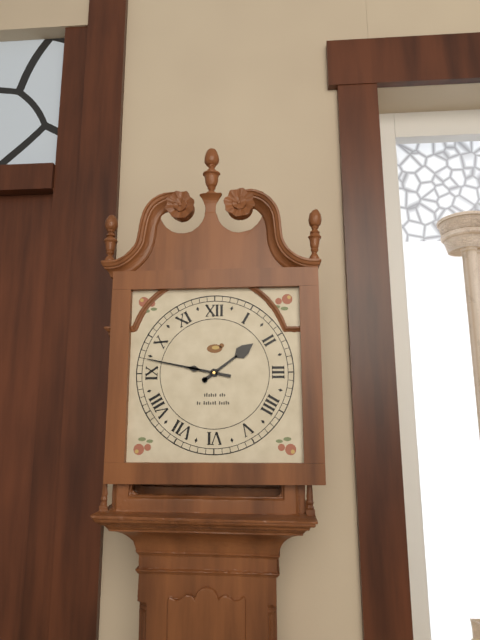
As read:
{"hour": 1, "minute": 47}
